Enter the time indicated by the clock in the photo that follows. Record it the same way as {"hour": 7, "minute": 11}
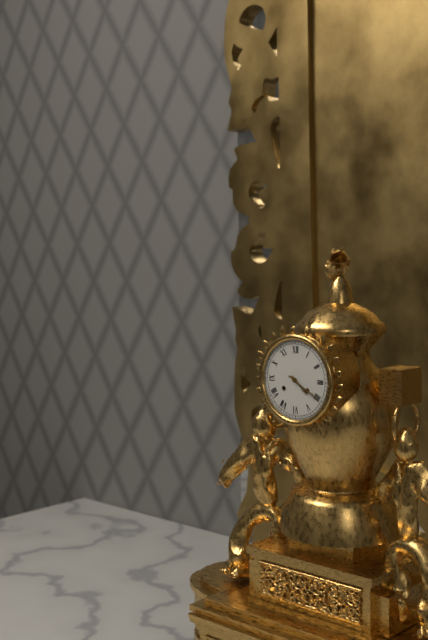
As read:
{"hour": 4, "minute": 20}
